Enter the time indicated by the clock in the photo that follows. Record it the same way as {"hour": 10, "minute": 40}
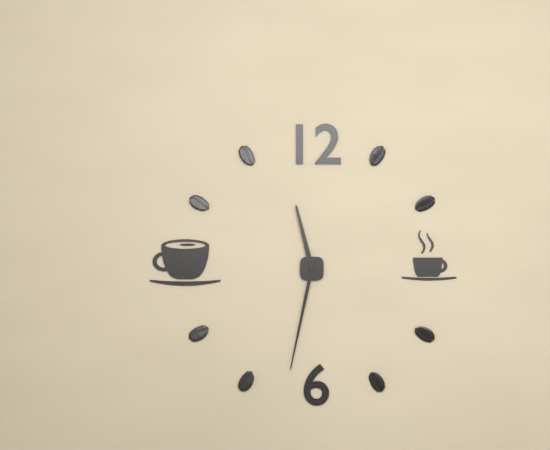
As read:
{"hour": 11, "minute": 32}
